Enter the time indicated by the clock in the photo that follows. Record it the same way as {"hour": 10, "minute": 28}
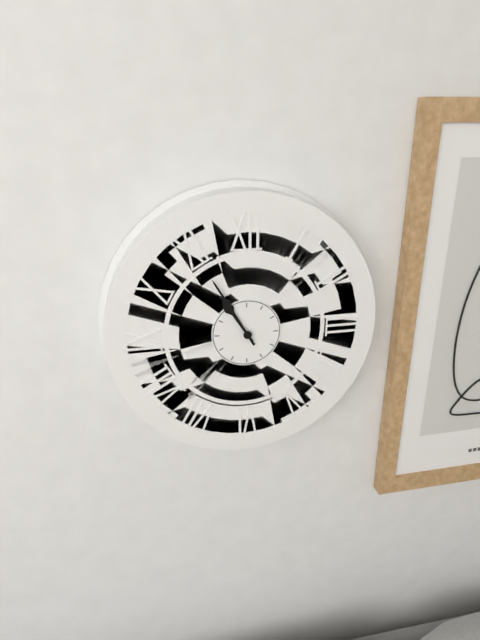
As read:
{"hour": 10, "minute": 55}
